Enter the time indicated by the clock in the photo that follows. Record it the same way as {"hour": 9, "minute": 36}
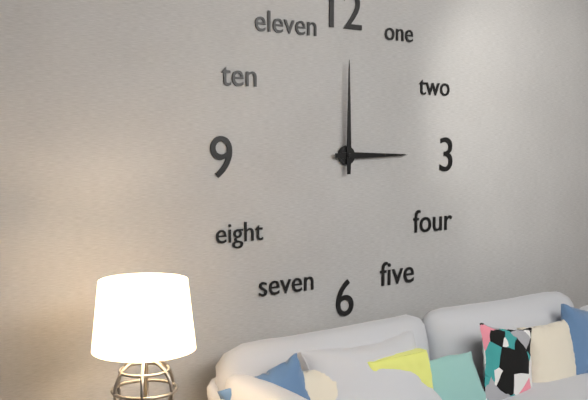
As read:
{"hour": 3, "minute": 0}
